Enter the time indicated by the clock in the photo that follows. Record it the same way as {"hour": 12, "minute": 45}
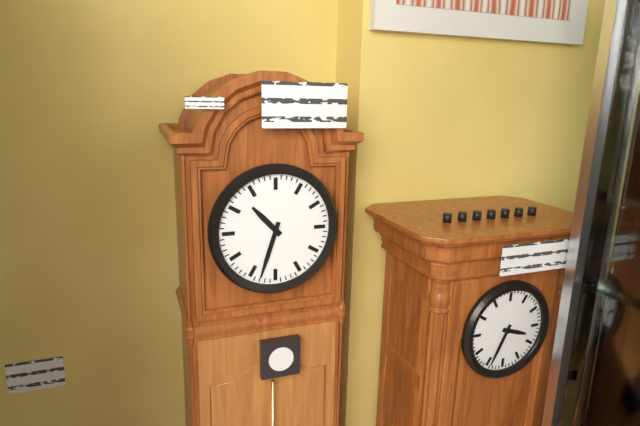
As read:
{"hour": 10, "minute": 33}
